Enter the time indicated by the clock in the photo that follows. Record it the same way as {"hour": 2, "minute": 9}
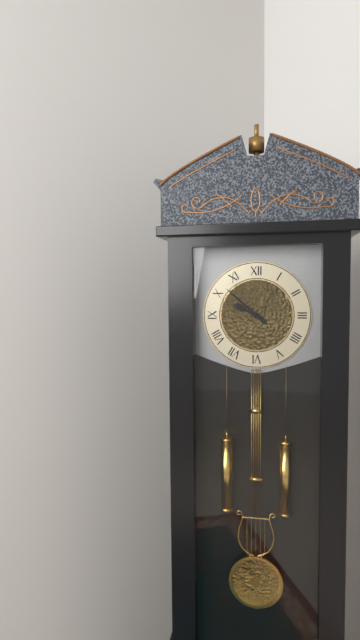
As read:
{"hour": 9, "minute": 52}
